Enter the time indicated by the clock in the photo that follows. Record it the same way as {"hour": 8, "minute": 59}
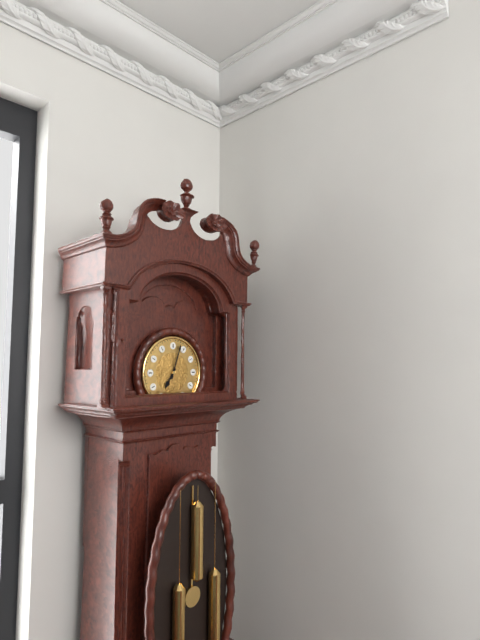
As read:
{"hour": 7, "minute": 3}
